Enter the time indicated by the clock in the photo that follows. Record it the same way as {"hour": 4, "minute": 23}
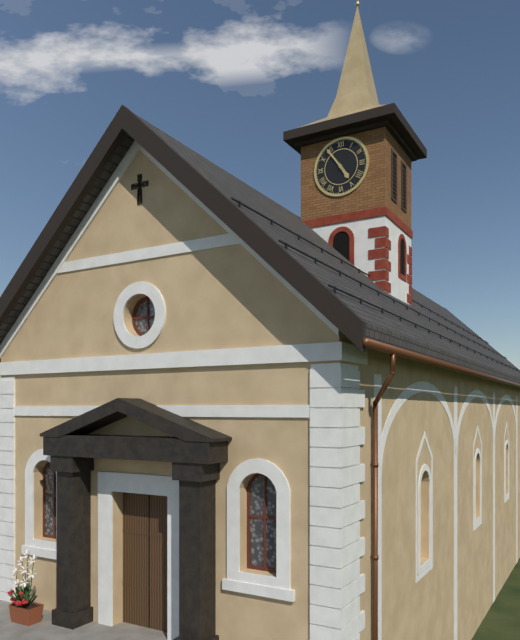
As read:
{"hour": 4, "minute": 54}
